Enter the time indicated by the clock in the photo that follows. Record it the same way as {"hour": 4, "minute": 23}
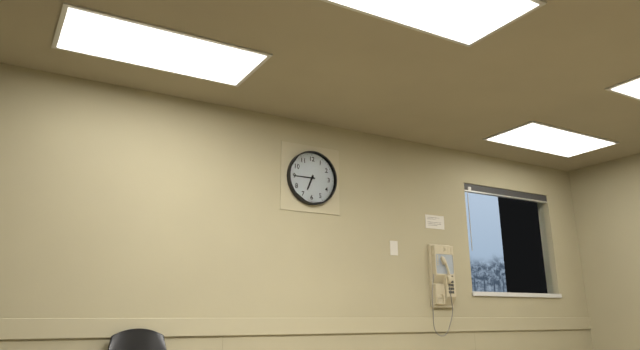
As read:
{"hour": 6, "minute": 45}
